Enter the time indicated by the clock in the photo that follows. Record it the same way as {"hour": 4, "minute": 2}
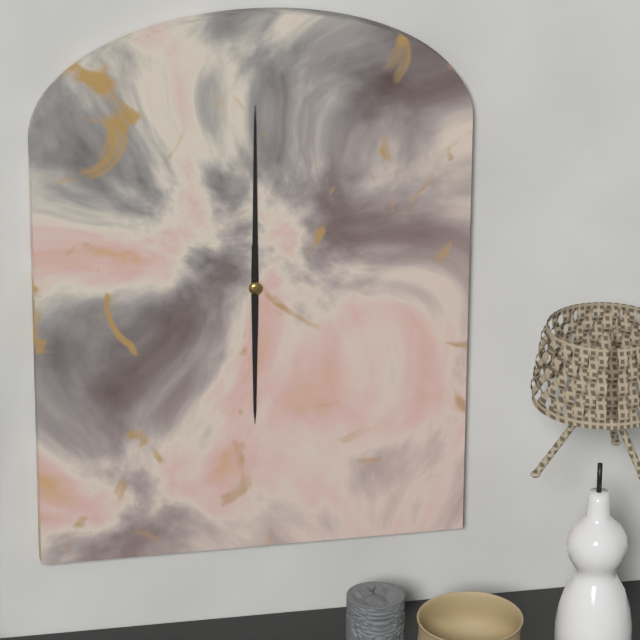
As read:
{"hour": 6, "minute": 0}
